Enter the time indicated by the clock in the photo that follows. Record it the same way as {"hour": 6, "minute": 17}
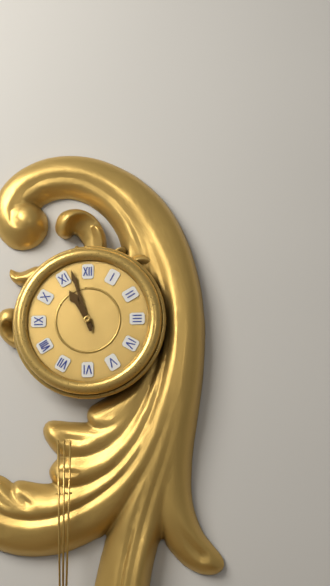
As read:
{"hour": 10, "minute": 57}
